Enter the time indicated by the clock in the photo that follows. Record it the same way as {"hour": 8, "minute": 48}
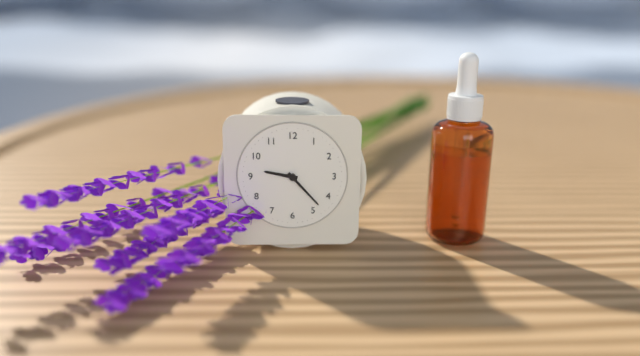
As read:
{"hour": 9, "minute": 23}
